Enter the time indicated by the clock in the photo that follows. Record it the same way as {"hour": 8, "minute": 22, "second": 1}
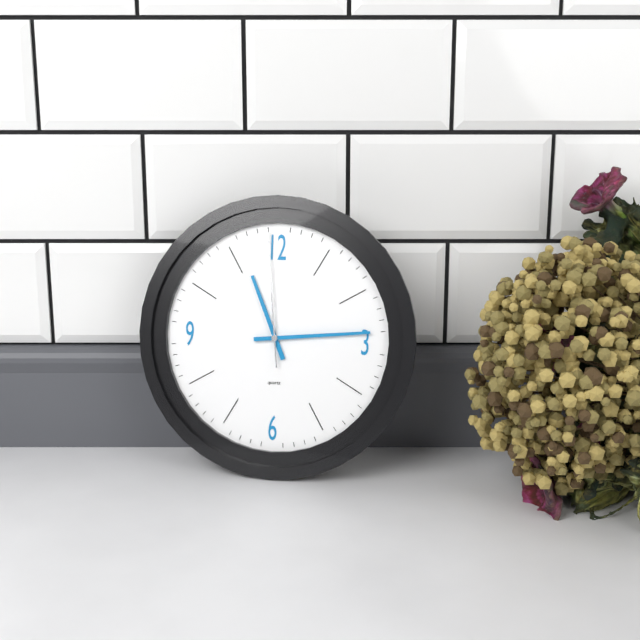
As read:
{"hour": 11, "minute": 14, "second": 59}
